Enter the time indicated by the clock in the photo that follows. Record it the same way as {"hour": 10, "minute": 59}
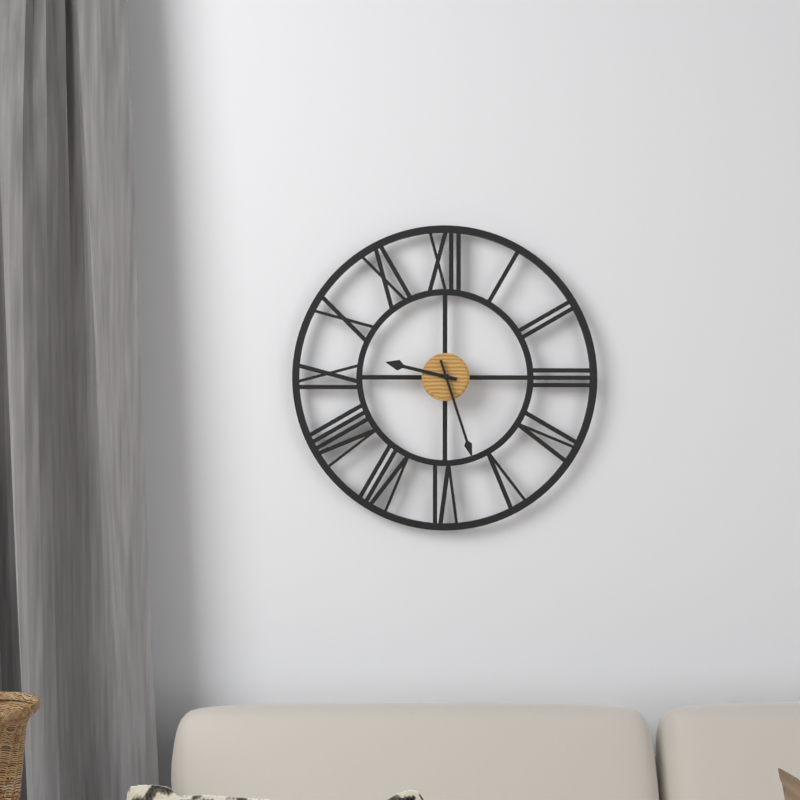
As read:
{"hour": 9, "minute": 27}
